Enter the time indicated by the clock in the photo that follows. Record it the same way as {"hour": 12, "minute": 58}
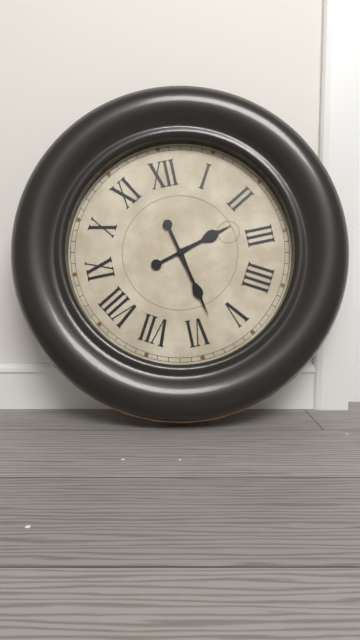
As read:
{"hour": 2, "minute": 28}
